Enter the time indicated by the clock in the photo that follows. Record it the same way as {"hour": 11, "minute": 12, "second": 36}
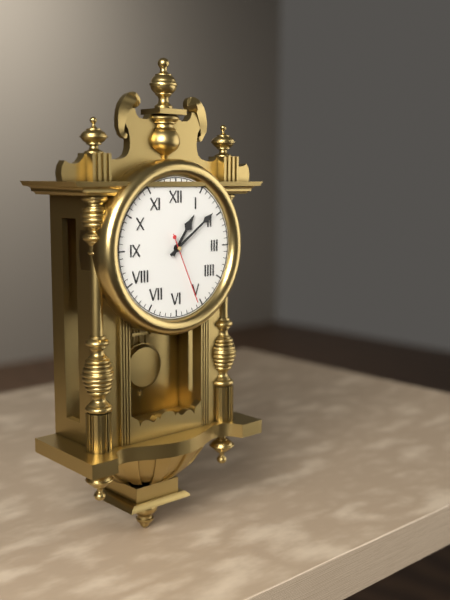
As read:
{"hour": 1, "minute": 9, "second": 26}
